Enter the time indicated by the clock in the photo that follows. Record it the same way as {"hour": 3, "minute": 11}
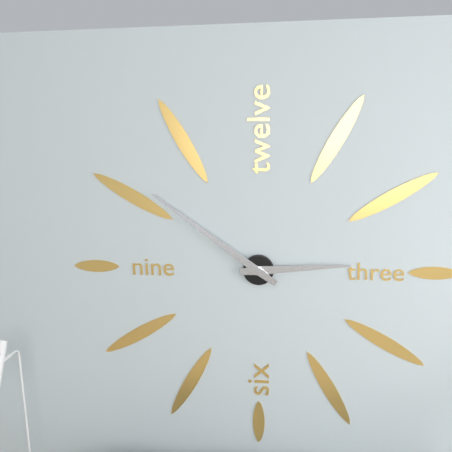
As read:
{"hour": 2, "minute": 51}
